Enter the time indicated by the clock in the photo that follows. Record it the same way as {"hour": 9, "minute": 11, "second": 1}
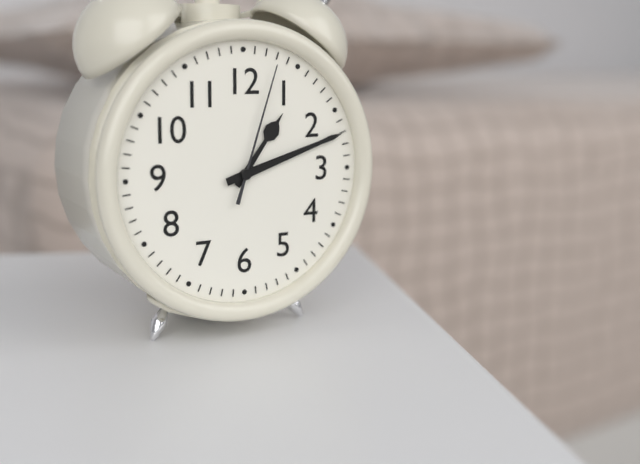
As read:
{"hour": 1, "minute": 12, "second": 3}
